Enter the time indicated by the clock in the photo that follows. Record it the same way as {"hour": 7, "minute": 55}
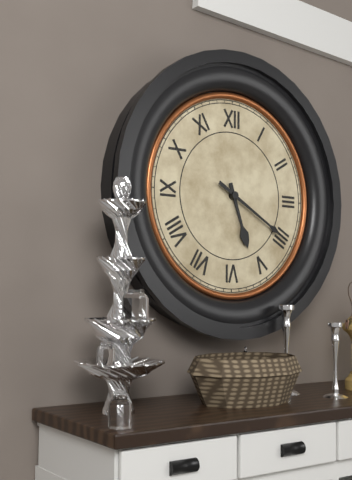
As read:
{"hour": 5, "minute": 20}
